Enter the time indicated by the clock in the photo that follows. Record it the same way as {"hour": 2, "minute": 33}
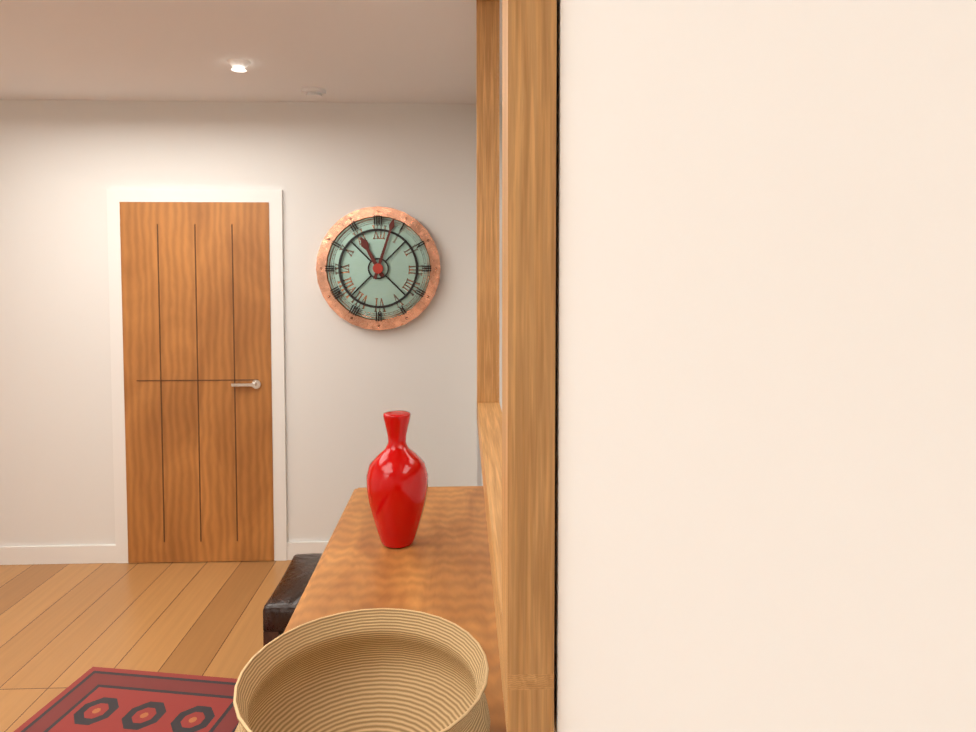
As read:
{"hour": 11, "minute": 3}
